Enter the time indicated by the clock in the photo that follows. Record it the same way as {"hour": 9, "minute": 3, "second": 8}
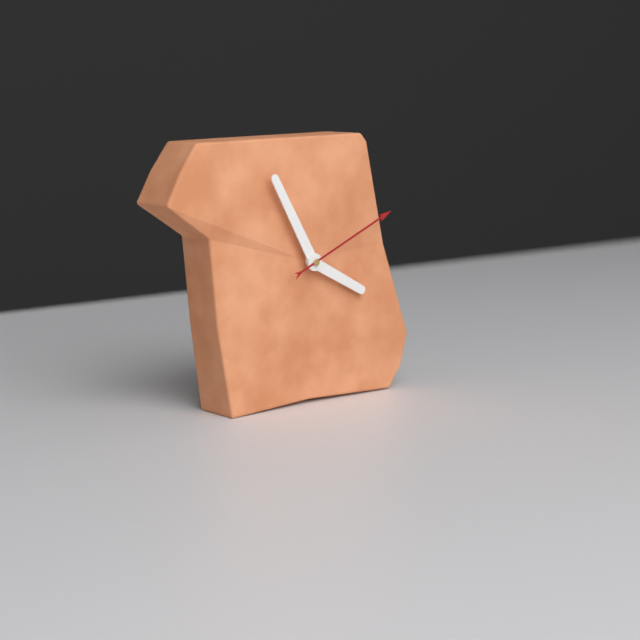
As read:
{"hour": 3, "minute": 55, "second": 11}
